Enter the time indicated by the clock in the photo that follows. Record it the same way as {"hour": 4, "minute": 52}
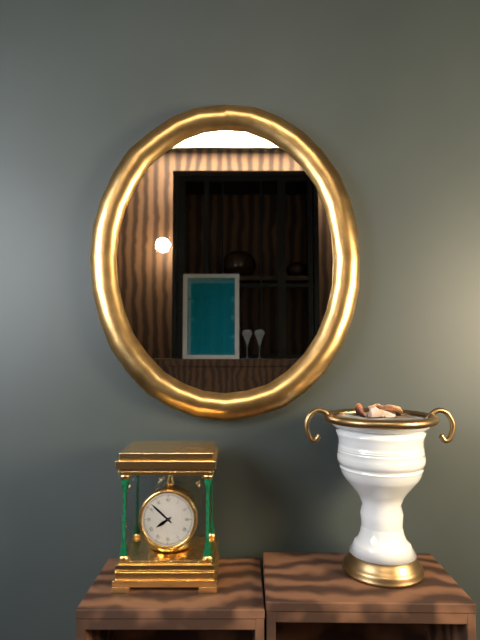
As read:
{"hour": 7, "minute": 52}
